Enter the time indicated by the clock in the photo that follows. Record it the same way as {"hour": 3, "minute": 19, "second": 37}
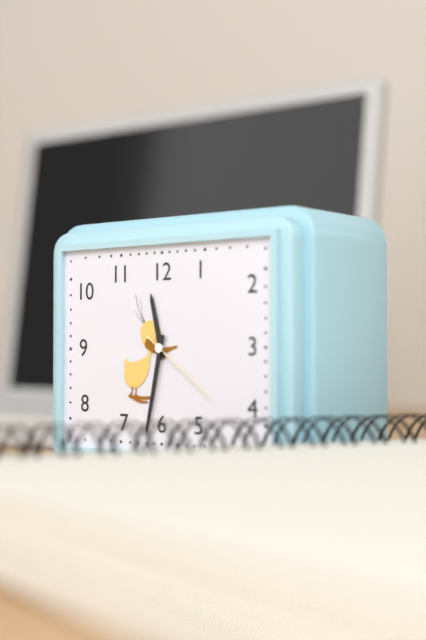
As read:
{"hour": 11, "minute": 32, "second": 21}
